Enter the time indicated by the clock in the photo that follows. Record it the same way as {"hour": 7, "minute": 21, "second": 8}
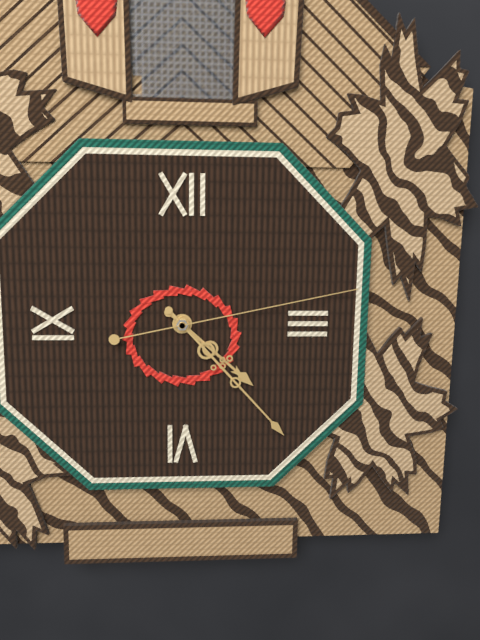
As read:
{"hour": 4, "minute": 23, "second": 13}
